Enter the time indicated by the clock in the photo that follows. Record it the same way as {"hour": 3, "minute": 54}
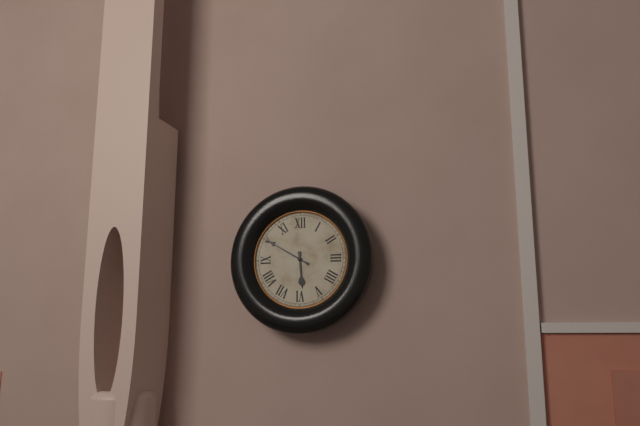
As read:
{"hour": 5, "minute": 50}
